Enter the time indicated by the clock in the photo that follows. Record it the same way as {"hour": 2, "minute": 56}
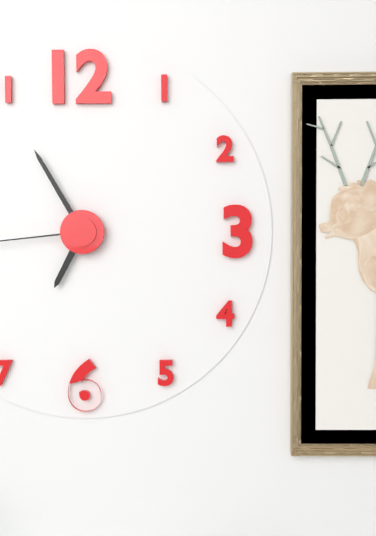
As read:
{"hour": 6, "minute": 55}
